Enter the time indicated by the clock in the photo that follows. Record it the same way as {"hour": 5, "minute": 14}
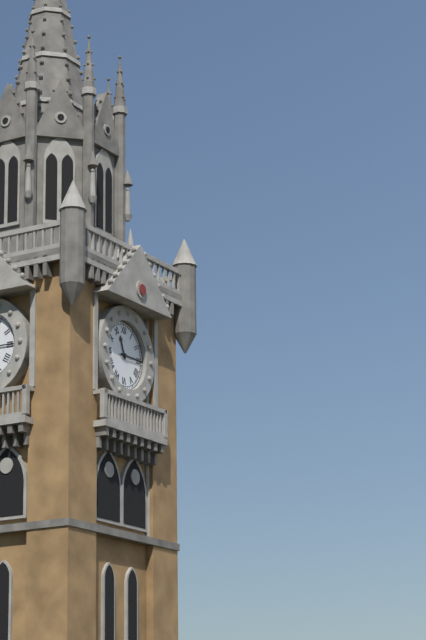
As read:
{"hour": 11, "minute": 15}
